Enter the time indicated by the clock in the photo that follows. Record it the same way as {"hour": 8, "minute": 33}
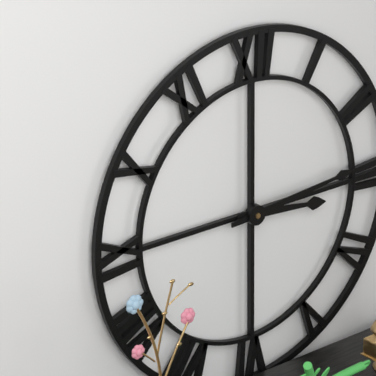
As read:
{"hour": 3, "minute": 14}
